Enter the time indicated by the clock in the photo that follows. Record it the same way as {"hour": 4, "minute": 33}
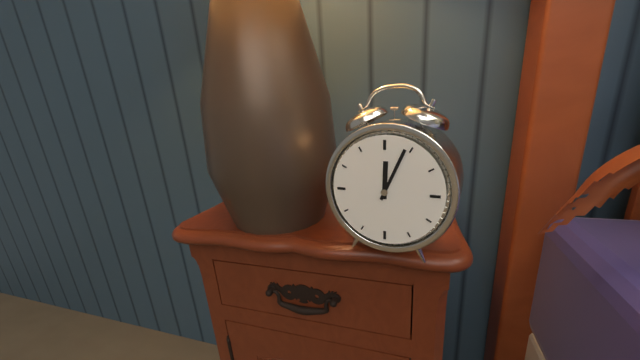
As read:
{"hour": 12, "minute": 4}
